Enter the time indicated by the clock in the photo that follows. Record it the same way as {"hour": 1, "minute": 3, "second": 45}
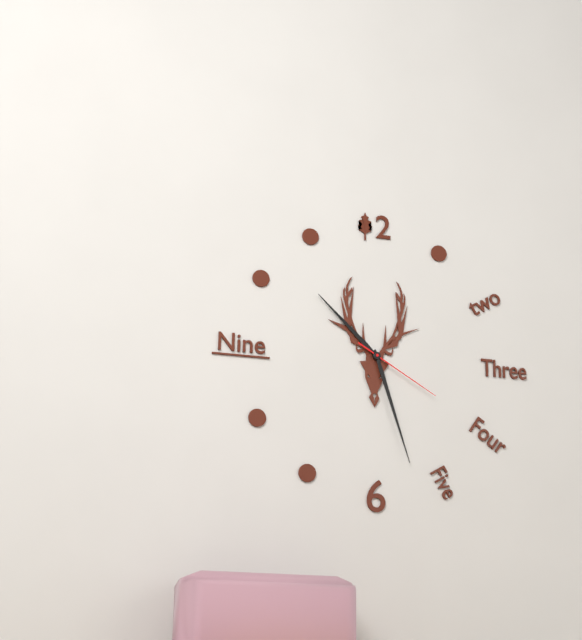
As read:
{"hour": 10, "minute": 27, "second": 20}
